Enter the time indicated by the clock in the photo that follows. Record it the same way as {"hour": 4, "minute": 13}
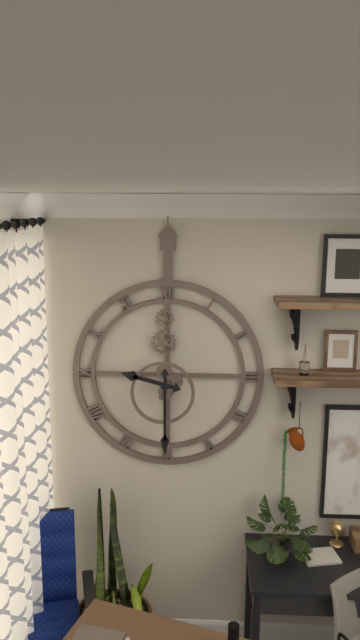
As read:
{"hour": 9, "minute": 30}
